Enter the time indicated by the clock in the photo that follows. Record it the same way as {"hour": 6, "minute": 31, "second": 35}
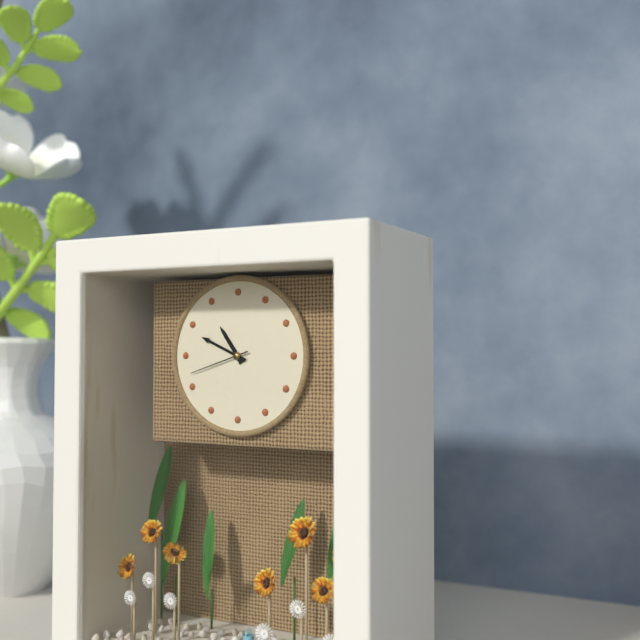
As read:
{"hour": 10, "minute": 49, "second": 42}
